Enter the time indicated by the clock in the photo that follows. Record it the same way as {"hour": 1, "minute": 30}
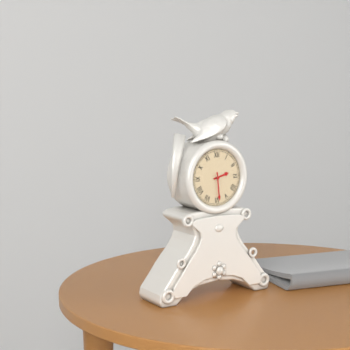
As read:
{"hour": 2, "minute": 29}
